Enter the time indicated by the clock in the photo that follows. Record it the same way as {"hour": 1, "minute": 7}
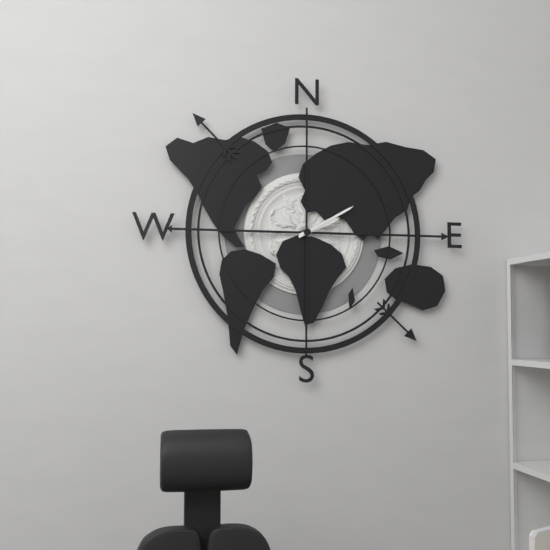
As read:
{"hour": 2, "minute": 10}
